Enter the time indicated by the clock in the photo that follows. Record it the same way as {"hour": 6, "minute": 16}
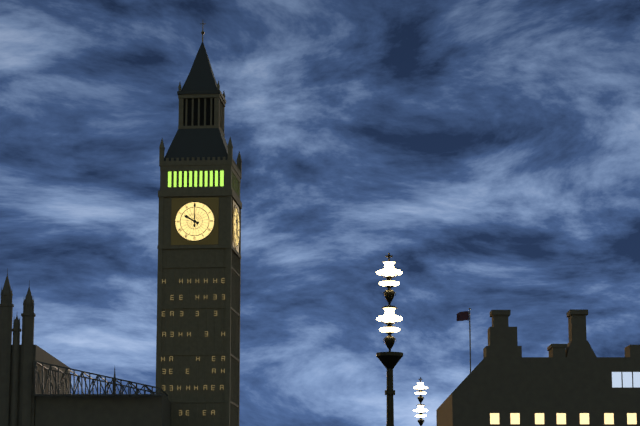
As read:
{"hour": 10, "minute": 0}
